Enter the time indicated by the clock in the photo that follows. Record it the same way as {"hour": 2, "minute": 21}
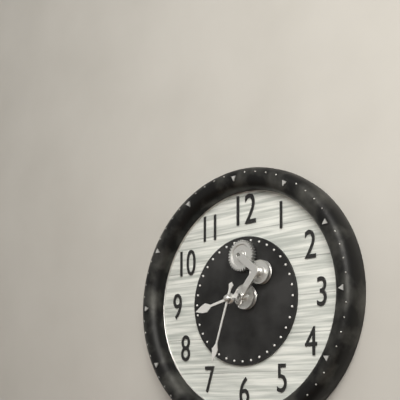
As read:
{"hour": 8, "minute": 33}
